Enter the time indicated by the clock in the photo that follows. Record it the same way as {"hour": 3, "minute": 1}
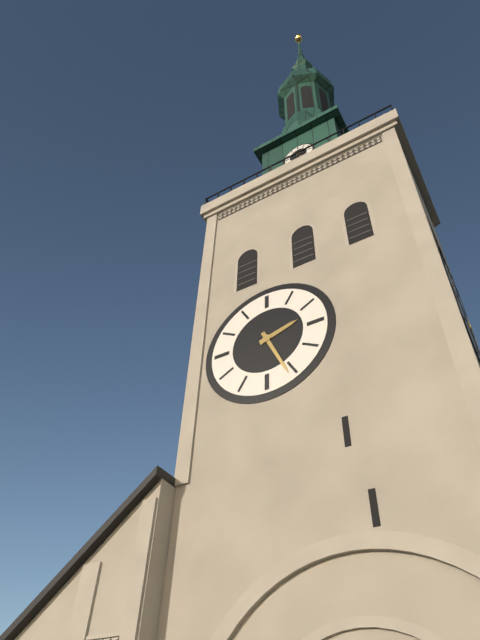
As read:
{"hour": 2, "minute": 26}
